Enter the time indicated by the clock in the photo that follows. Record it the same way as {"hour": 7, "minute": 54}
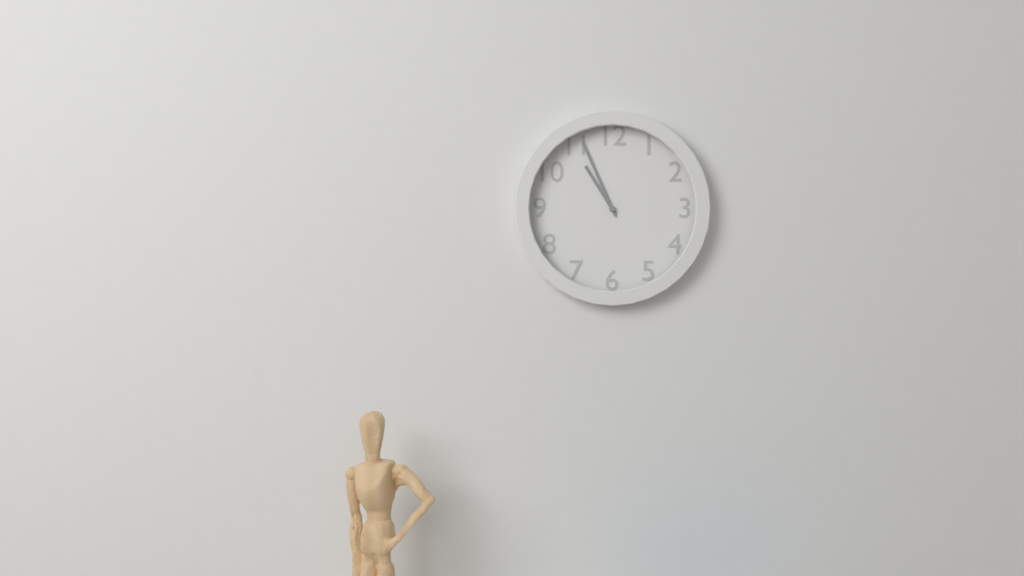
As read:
{"hour": 10, "minute": 56}
